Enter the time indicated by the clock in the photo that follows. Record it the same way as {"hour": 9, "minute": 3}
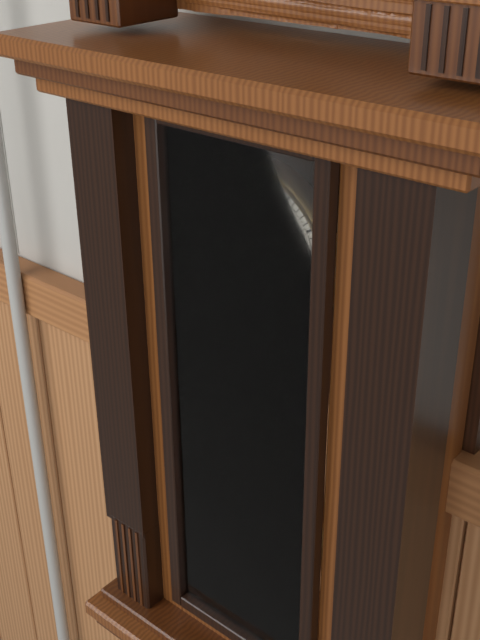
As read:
{"hour": 3, "minute": 17}
